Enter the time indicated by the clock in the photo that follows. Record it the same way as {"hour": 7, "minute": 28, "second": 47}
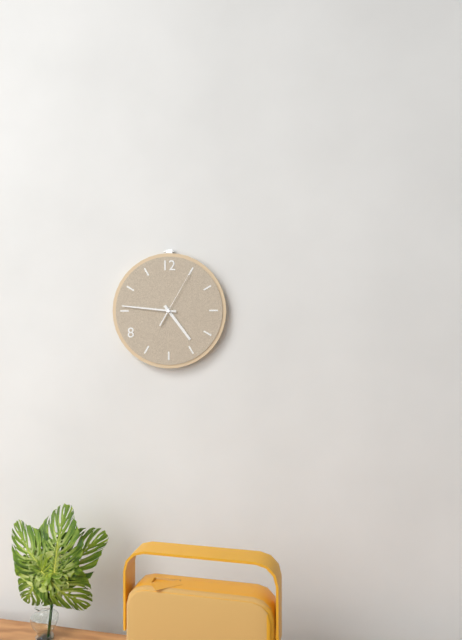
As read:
{"hour": 4, "minute": 46, "second": 5}
